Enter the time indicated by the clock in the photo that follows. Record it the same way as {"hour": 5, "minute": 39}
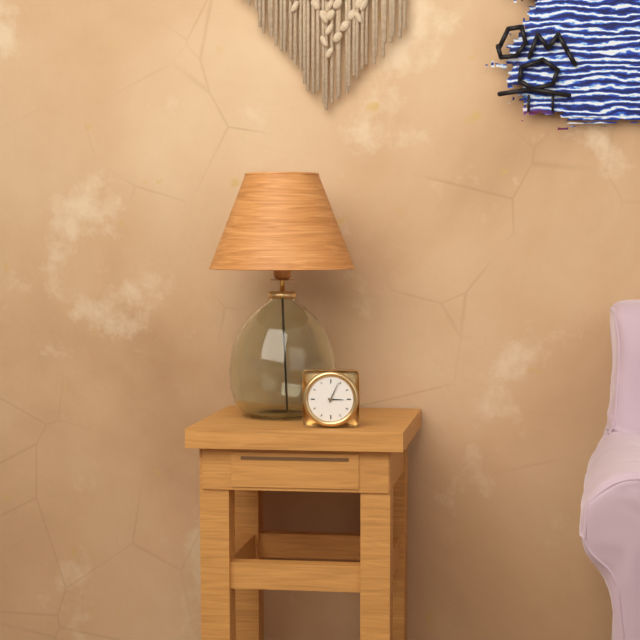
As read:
{"hour": 3, "minute": 4}
